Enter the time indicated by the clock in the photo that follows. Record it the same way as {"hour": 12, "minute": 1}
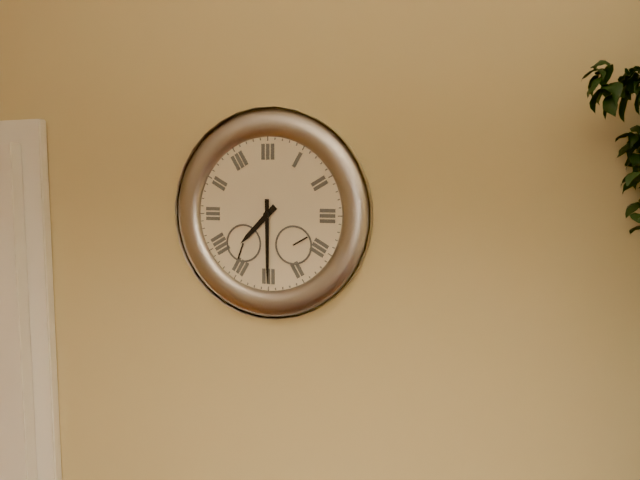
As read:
{"hour": 7, "minute": 30}
